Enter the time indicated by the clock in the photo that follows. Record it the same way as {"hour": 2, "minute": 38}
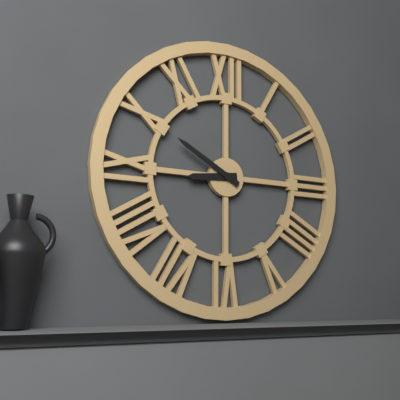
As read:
{"hour": 8, "minute": 50}
